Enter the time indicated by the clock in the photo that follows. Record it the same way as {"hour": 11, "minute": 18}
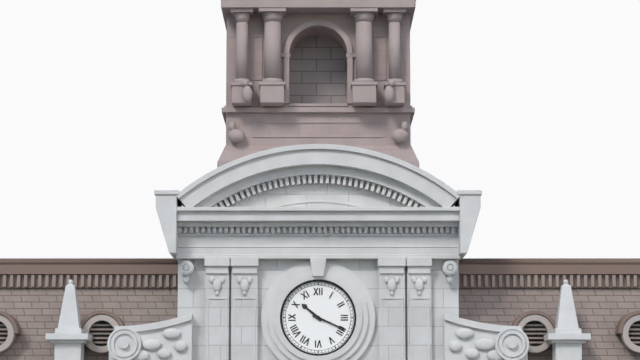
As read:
{"hour": 10, "minute": 19}
